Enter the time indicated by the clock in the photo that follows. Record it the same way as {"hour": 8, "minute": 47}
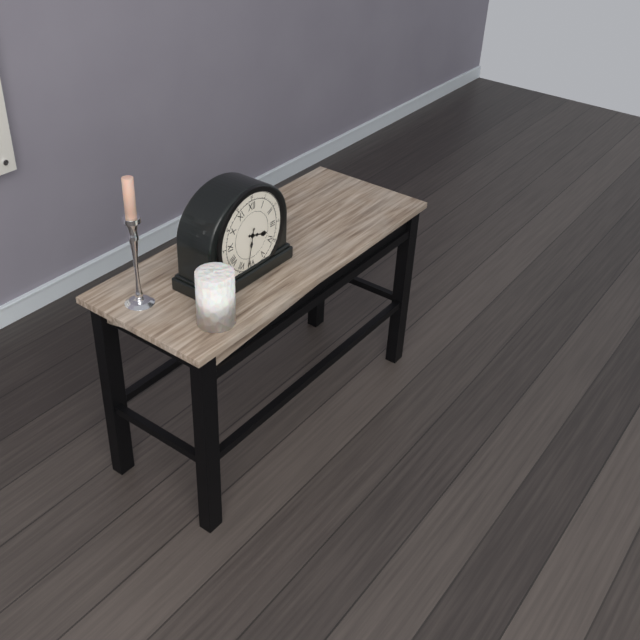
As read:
{"hour": 3, "minute": 32}
